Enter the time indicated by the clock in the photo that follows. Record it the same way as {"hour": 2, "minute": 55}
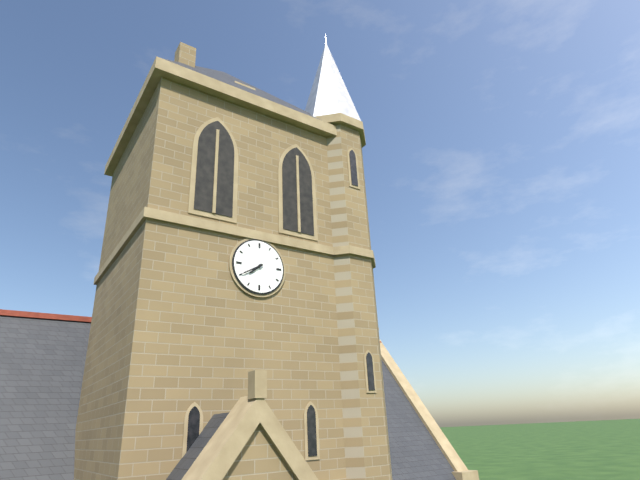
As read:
{"hour": 7, "minute": 40}
